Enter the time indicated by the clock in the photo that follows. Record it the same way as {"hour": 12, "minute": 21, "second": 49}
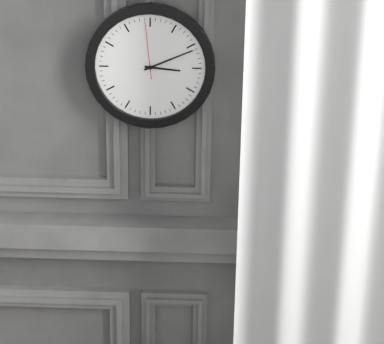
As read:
{"hour": 3, "minute": 11, "second": 59}
